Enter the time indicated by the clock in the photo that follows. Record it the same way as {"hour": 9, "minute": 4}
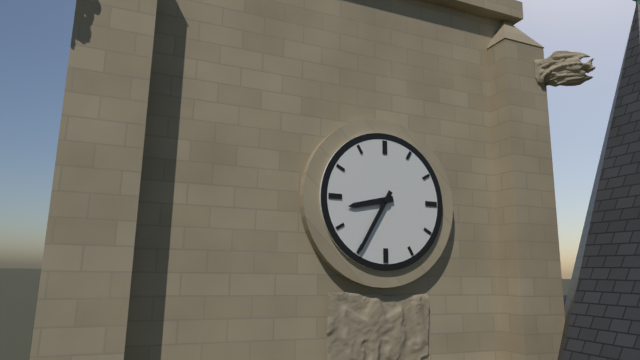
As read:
{"hour": 8, "minute": 35}
